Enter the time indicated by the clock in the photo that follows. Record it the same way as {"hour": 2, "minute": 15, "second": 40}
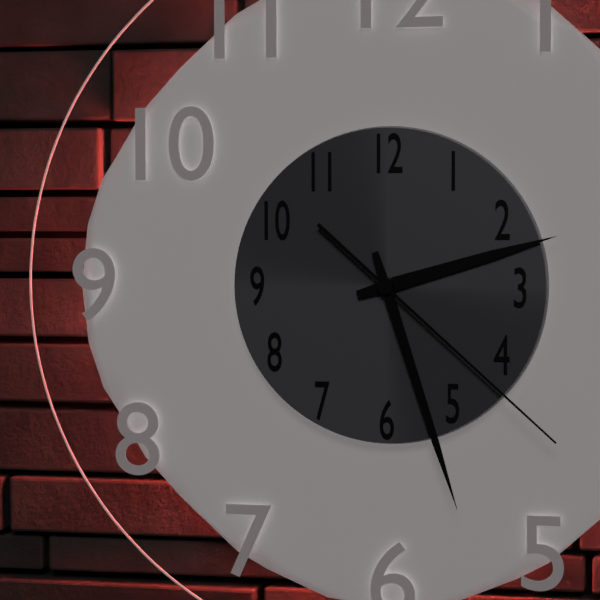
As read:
{"hour": 2, "minute": 27, "second": 22}
